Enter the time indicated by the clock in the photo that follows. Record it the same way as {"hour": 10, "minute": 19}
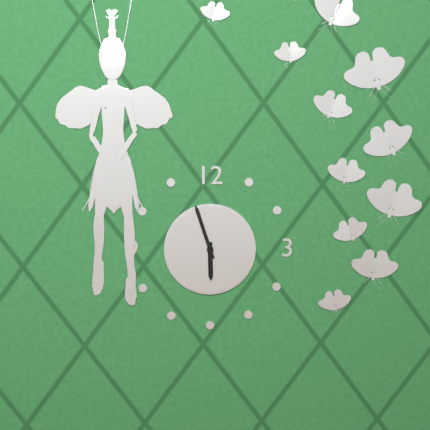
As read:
{"hour": 5, "minute": 57}
